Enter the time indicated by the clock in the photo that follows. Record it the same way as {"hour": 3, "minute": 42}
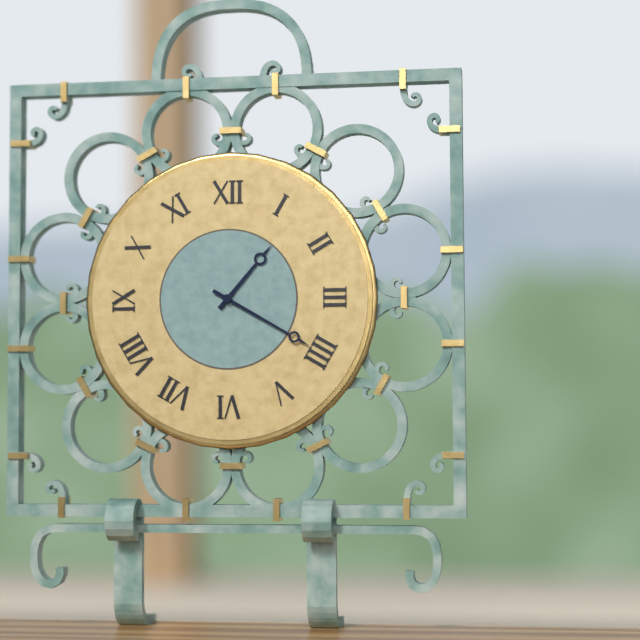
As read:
{"hour": 1, "minute": 20}
